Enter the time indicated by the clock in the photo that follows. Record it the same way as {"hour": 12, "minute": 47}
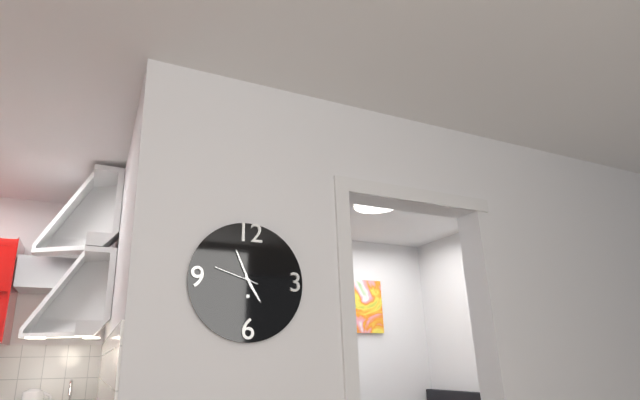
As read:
{"hour": 4, "minute": 56}
